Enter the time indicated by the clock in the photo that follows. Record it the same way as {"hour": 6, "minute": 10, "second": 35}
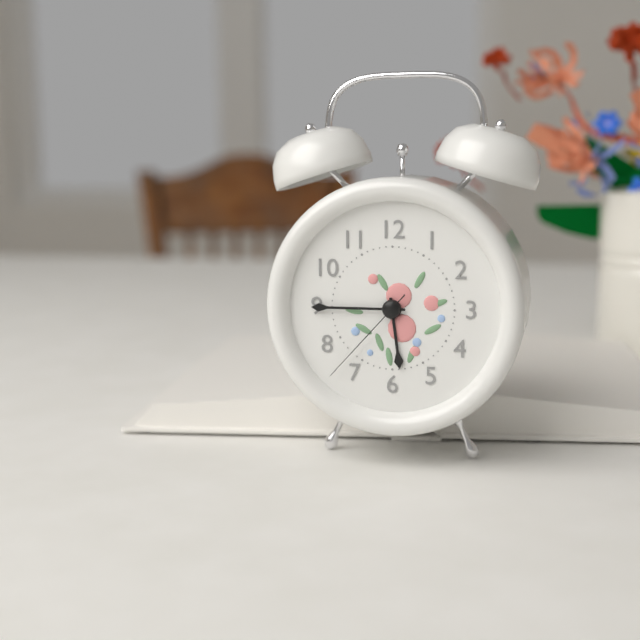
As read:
{"hour": 5, "minute": 45, "second": 37}
